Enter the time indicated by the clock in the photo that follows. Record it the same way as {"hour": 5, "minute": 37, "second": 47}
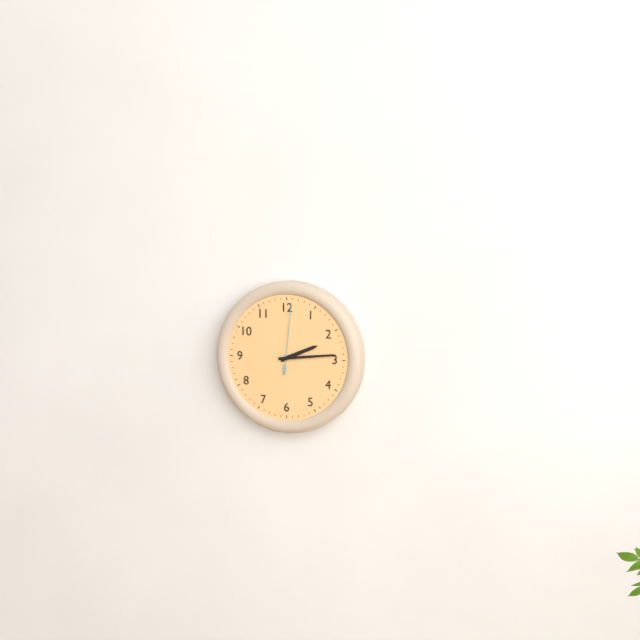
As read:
{"hour": 2, "minute": 14, "second": 1}
